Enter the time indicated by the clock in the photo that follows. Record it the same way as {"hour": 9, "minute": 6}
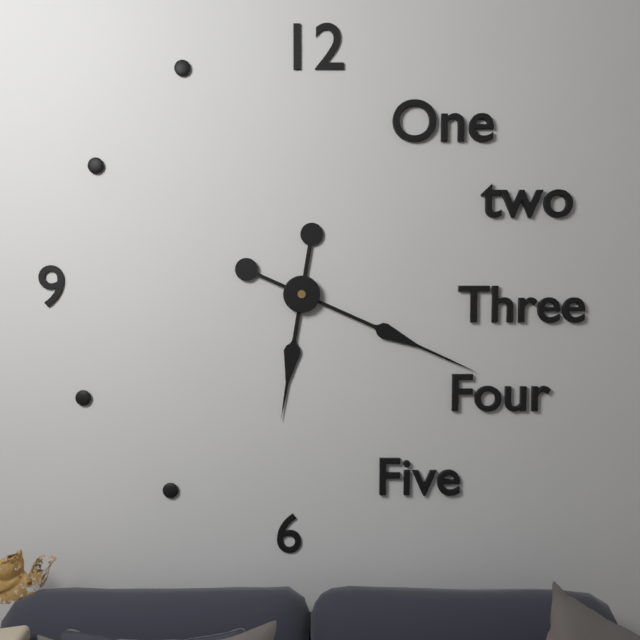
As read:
{"hour": 6, "minute": 19}
